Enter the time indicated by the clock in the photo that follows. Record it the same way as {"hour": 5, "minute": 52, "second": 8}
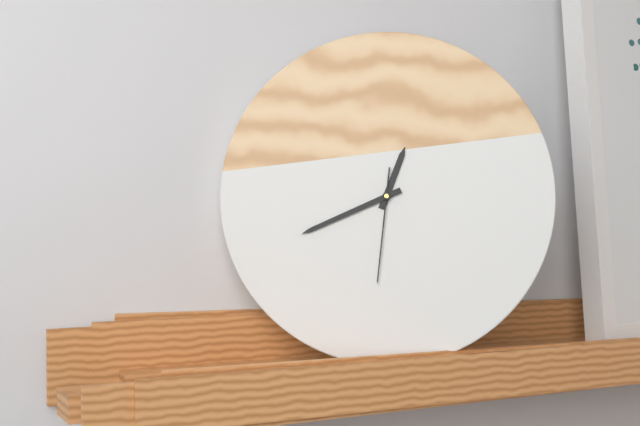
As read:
{"hour": 12, "minute": 41, "second": 31}
